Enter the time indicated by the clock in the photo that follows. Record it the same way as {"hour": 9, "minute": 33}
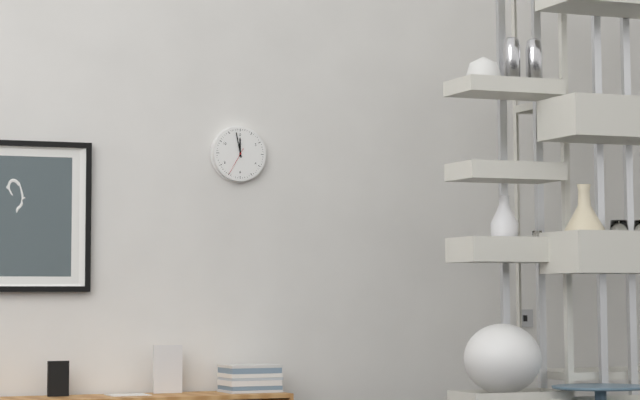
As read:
{"hour": 11, "minute": 58}
